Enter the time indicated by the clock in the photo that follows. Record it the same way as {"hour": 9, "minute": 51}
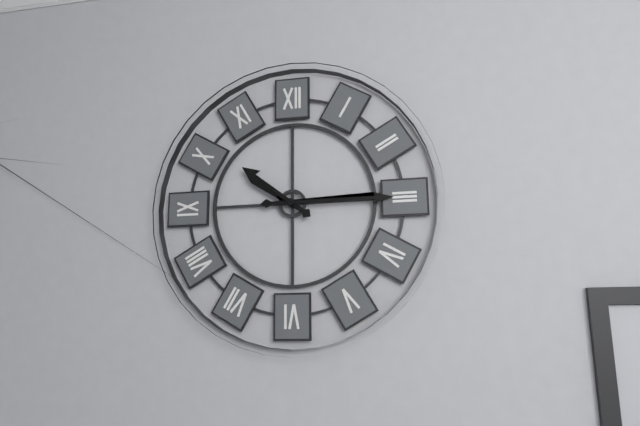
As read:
{"hour": 10, "minute": 15}
